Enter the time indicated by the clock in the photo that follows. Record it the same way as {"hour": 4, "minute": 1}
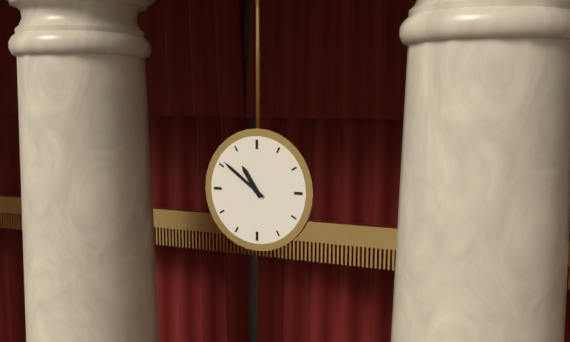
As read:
{"hour": 10, "minute": 51}
